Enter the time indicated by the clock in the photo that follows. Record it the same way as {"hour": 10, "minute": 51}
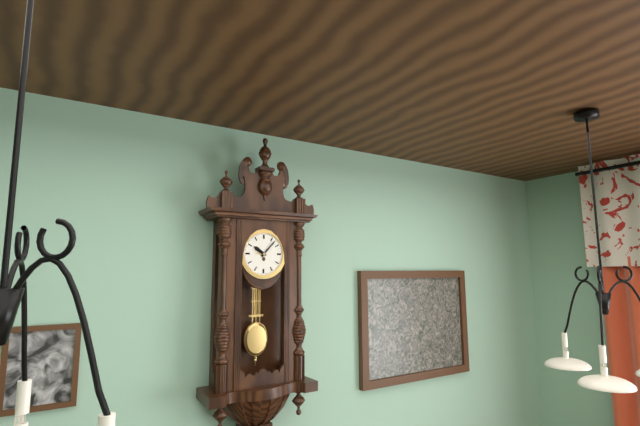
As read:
{"hour": 10, "minute": 7}
